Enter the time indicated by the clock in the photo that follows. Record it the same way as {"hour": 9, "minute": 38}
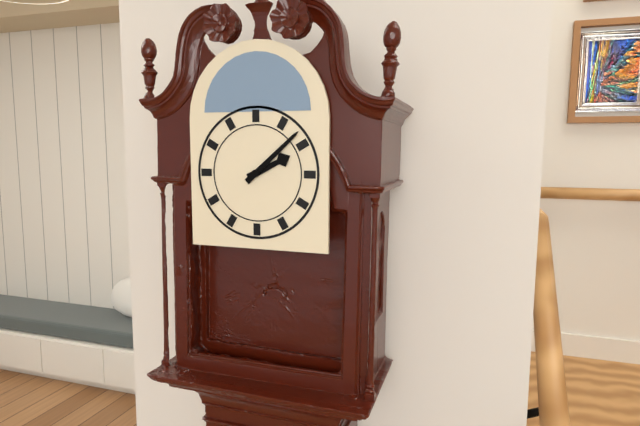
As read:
{"hour": 2, "minute": 8}
